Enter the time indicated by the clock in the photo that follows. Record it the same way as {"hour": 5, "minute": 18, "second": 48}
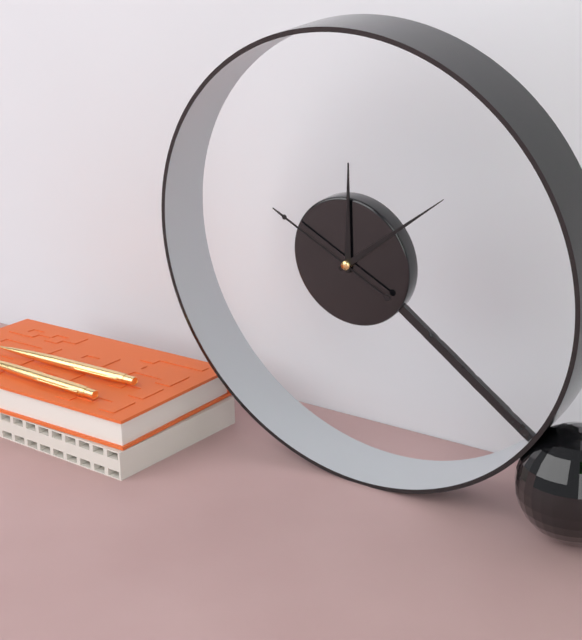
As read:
{"hour": 12, "minute": 9, "second": 50}
